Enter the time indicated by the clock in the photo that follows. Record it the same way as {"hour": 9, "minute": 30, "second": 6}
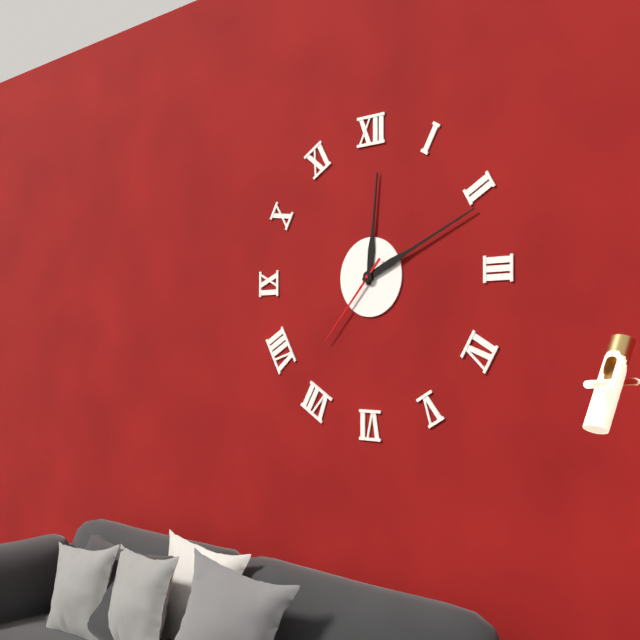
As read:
{"hour": 12, "minute": 11, "second": 37}
